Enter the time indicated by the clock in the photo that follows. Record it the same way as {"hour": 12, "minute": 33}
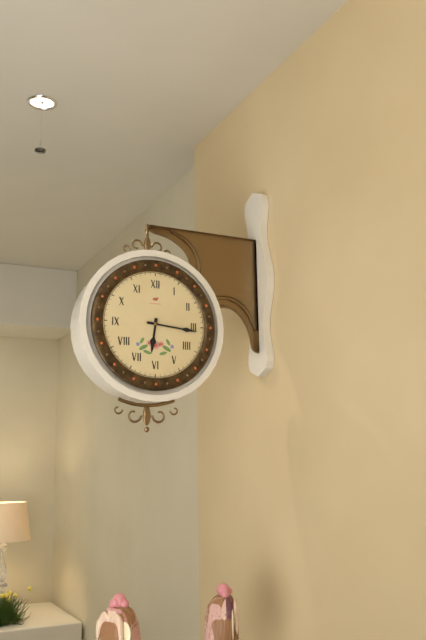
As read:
{"hour": 6, "minute": 16}
